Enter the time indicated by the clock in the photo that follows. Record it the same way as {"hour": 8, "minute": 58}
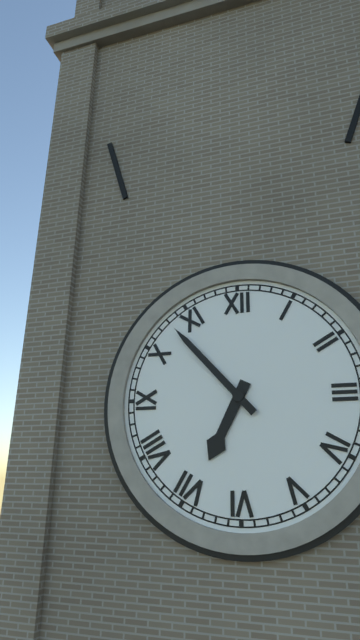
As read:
{"hour": 6, "minute": 53}
